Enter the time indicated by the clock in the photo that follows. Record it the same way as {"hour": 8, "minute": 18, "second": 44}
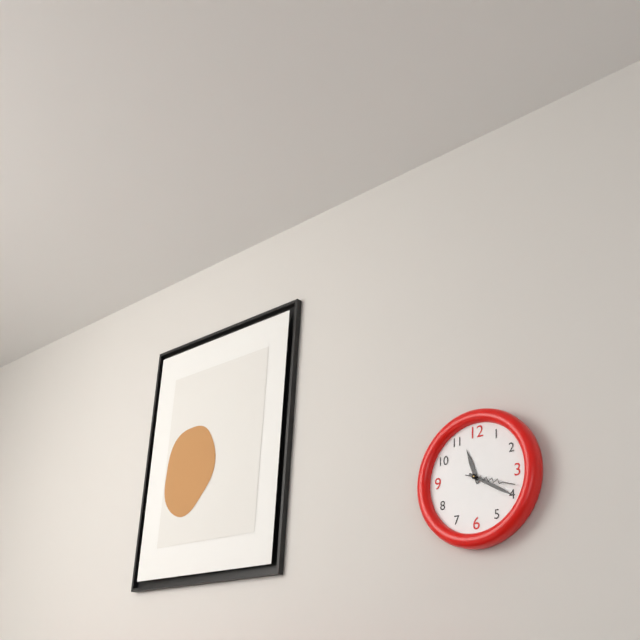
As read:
{"hour": 11, "minute": 20, "second": 18}
